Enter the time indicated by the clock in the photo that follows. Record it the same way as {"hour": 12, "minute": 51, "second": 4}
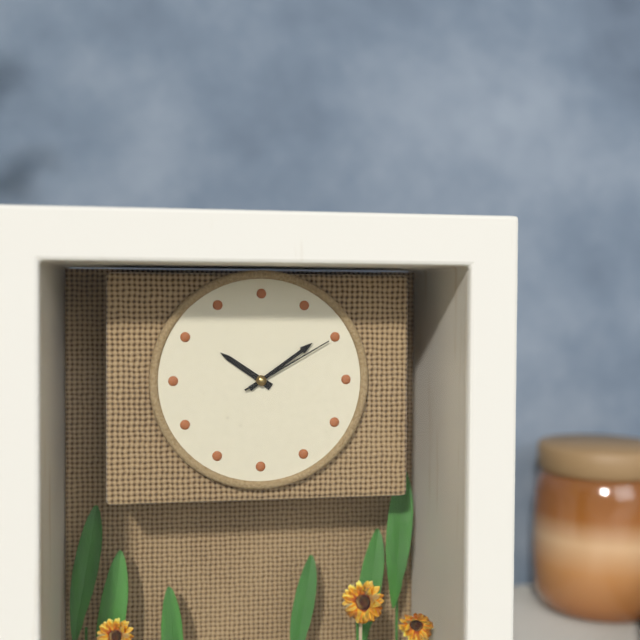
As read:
{"hour": 10, "minute": 9, "second": 10}
